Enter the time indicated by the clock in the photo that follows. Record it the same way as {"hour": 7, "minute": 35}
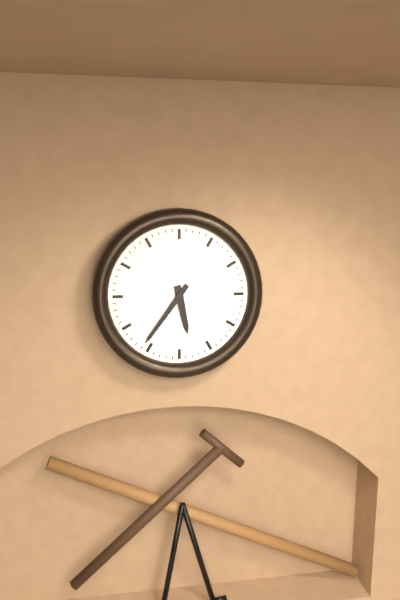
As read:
{"hour": 5, "minute": 36}
